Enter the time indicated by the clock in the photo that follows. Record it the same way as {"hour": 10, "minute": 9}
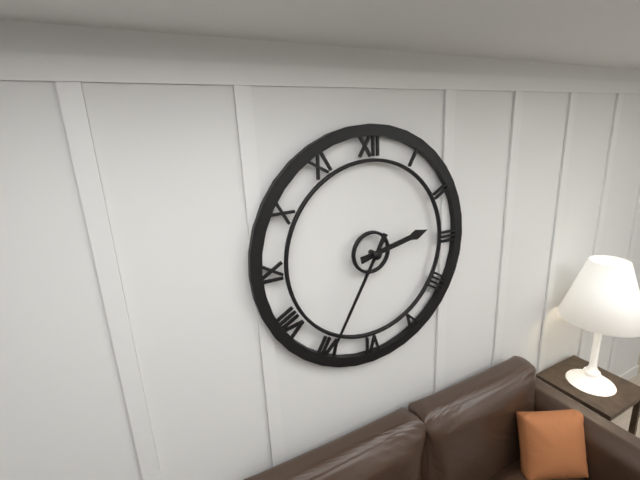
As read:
{"hour": 2, "minute": 35}
